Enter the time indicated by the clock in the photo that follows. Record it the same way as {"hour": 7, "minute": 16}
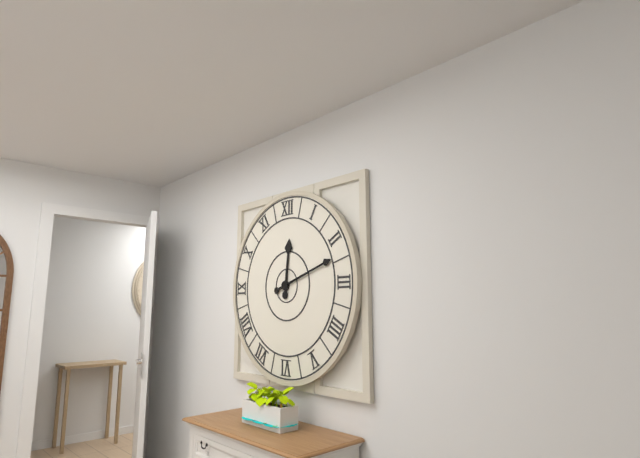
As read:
{"hour": 12, "minute": 12}
